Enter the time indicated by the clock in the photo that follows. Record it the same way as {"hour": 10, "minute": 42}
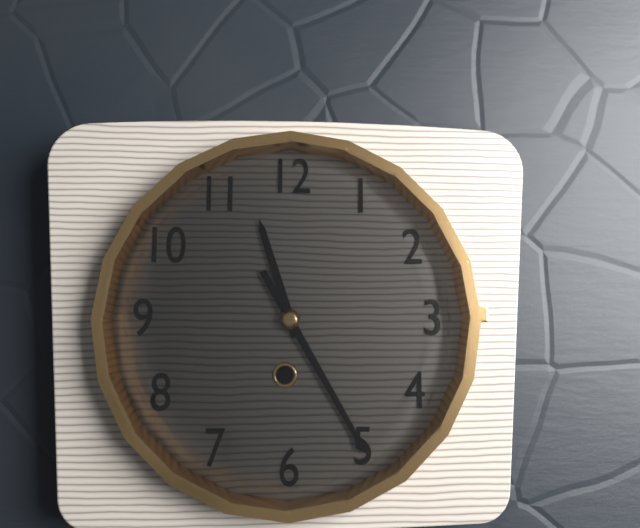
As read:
{"hour": 11, "minute": 25}
